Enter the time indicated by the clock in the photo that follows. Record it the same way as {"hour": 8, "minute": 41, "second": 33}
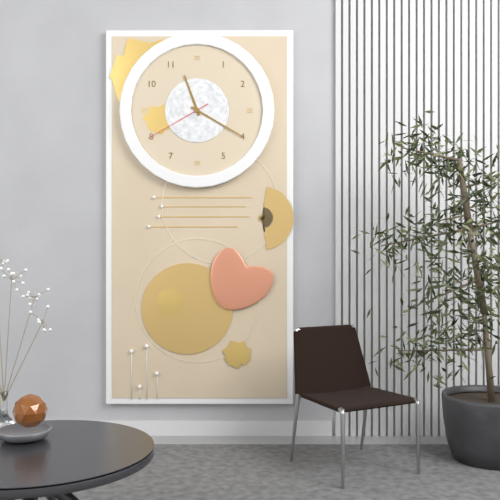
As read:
{"hour": 11, "minute": 20, "second": 40}
